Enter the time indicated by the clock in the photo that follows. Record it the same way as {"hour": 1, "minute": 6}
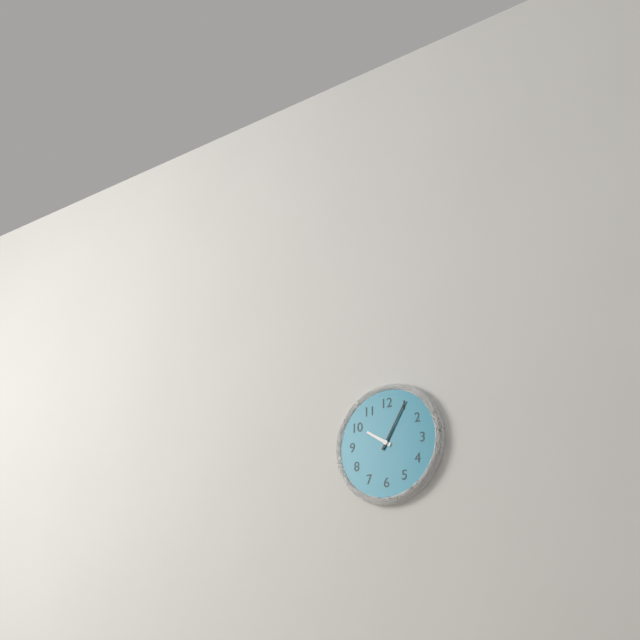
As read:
{"hour": 10, "minute": 5}
